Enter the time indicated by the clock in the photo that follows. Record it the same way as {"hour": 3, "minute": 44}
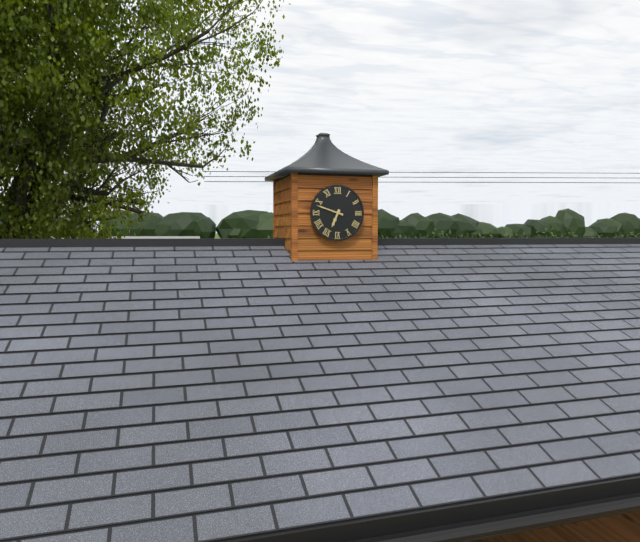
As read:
{"hour": 6, "minute": 48}
